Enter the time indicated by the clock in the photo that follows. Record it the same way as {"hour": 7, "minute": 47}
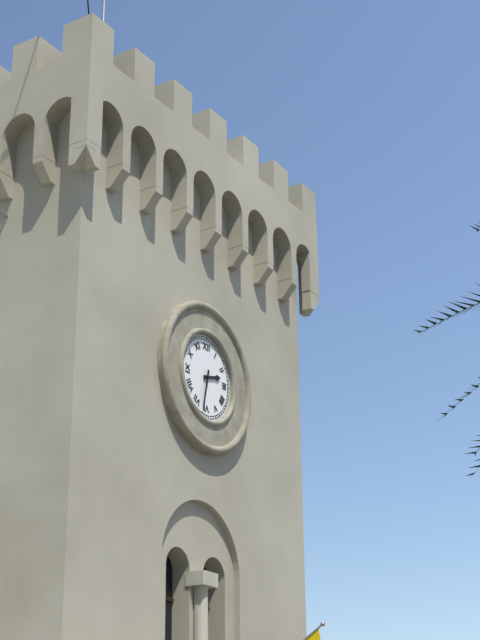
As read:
{"hour": 2, "minute": 32}
